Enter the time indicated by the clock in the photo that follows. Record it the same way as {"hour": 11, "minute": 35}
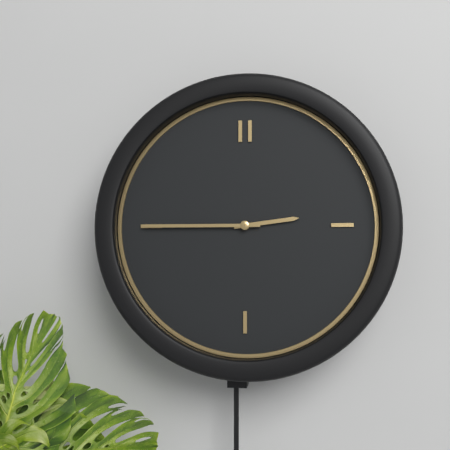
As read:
{"hour": 2, "minute": 45}
